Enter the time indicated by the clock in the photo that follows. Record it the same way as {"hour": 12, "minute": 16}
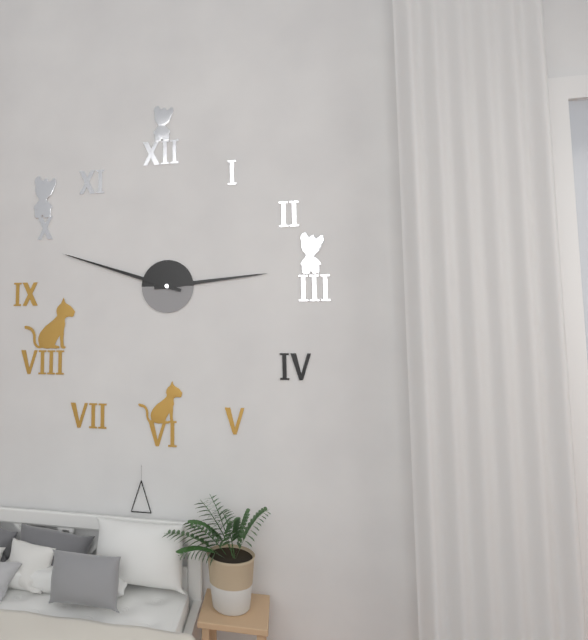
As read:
{"hour": 2, "minute": 48}
